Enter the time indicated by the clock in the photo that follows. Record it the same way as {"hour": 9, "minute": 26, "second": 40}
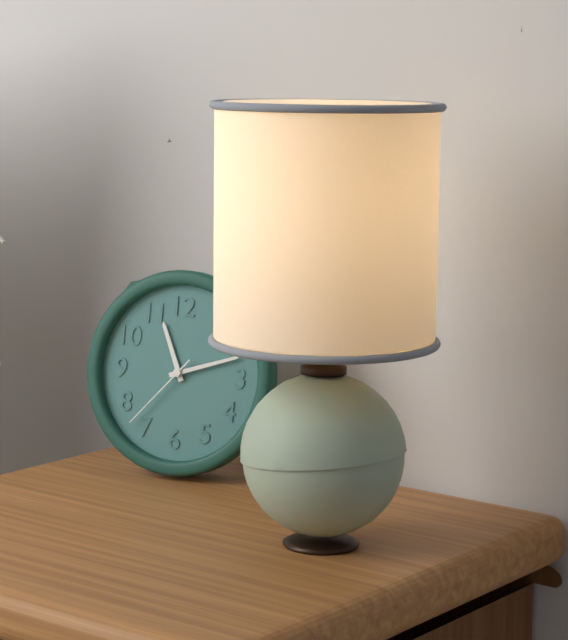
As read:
{"hour": 11, "minute": 12, "second": 37}
